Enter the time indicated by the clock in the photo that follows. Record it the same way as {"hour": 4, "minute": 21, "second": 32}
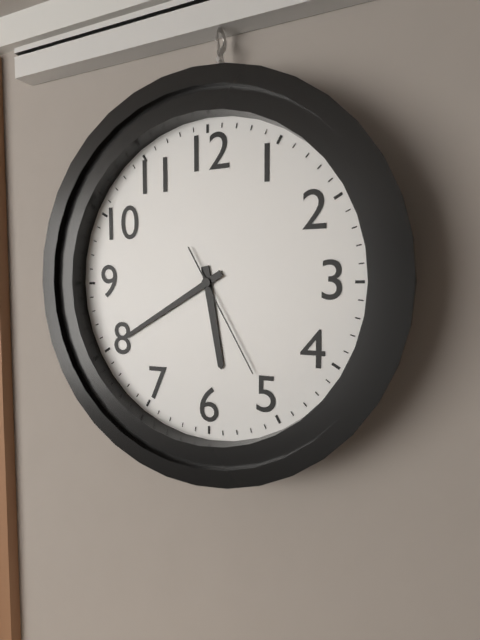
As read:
{"hour": 5, "minute": 40, "second": 25}
